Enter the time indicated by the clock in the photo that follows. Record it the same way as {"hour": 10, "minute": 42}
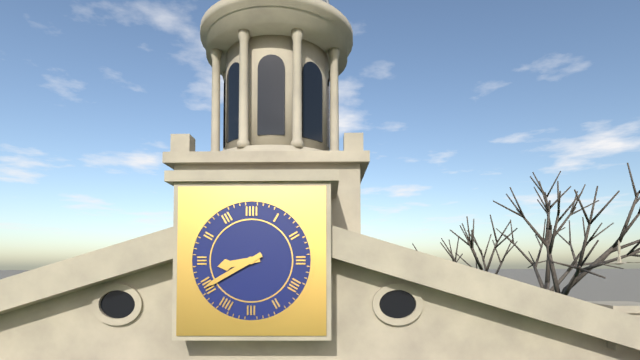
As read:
{"hour": 8, "minute": 40}
